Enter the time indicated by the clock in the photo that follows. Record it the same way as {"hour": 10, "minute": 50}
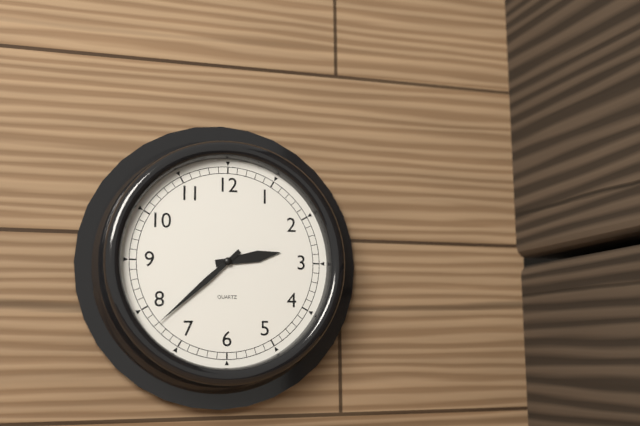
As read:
{"hour": 2, "minute": 38}
